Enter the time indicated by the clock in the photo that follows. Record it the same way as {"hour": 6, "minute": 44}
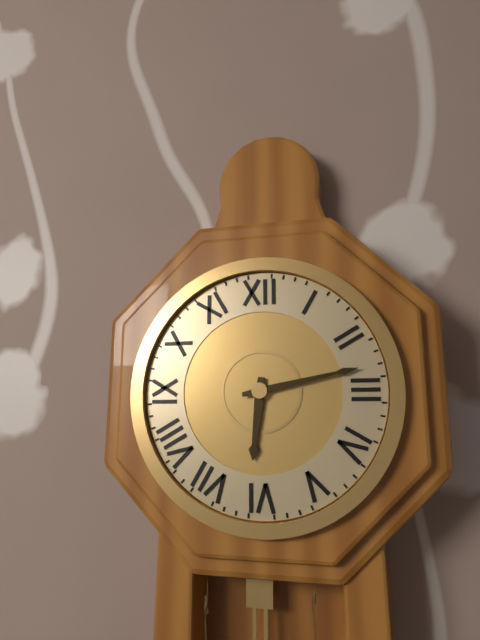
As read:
{"hour": 6, "minute": 13}
